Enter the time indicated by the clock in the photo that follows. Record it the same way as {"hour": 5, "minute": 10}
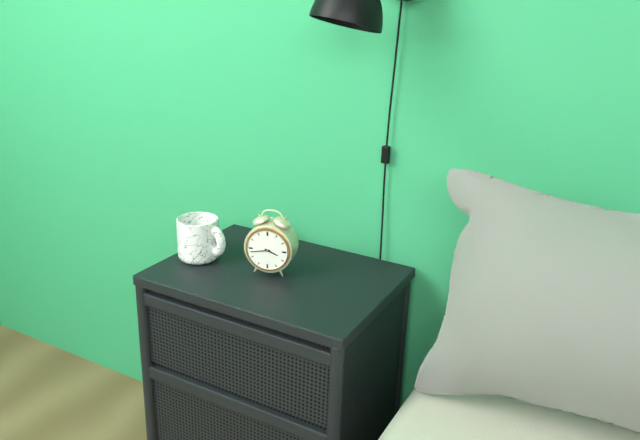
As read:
{"hour": 3, "minute": 43}
